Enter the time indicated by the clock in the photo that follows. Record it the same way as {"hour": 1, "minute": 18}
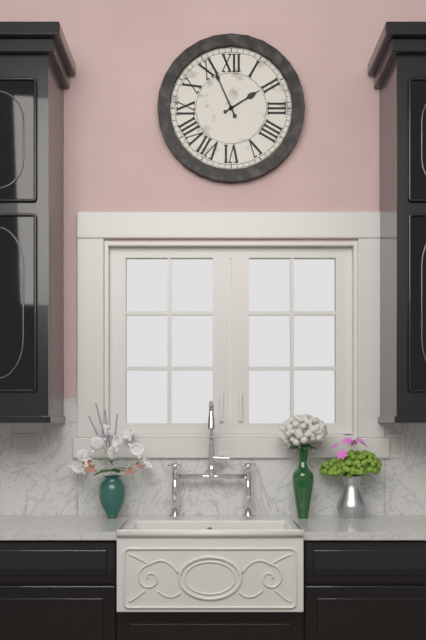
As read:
{"hour": 1, "minute": 56}
